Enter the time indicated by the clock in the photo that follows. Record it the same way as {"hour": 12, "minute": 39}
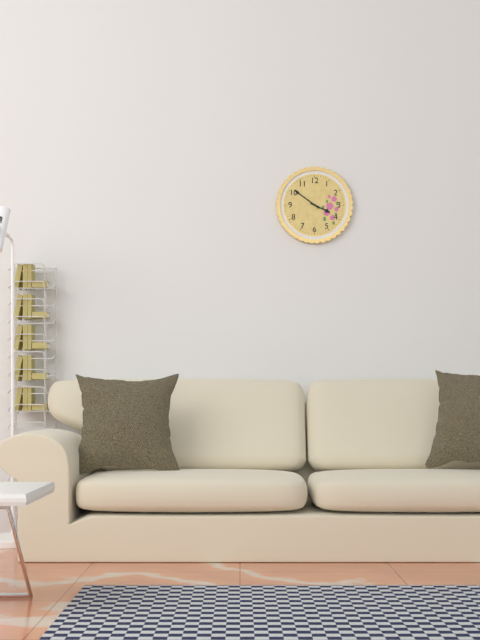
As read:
{"hour": 3, "minute": 51}
